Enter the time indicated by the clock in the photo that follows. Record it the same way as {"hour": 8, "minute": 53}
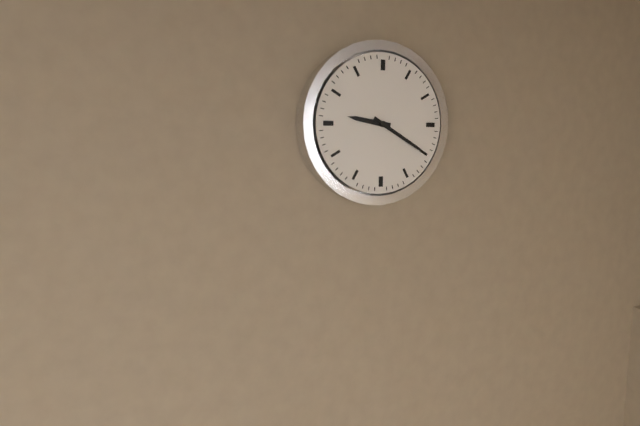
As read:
{"hour": 9, "minute": 20}
